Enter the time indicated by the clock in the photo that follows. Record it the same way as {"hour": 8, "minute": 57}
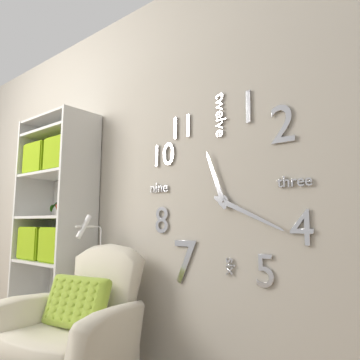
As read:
{"hour": 11, "minute": 19}
